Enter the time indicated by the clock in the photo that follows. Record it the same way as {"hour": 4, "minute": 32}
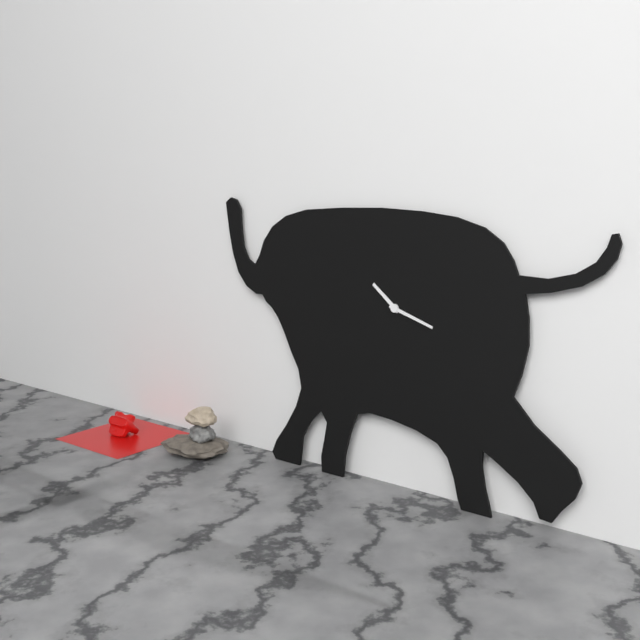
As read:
{"hour": 10, "minute": 18}
